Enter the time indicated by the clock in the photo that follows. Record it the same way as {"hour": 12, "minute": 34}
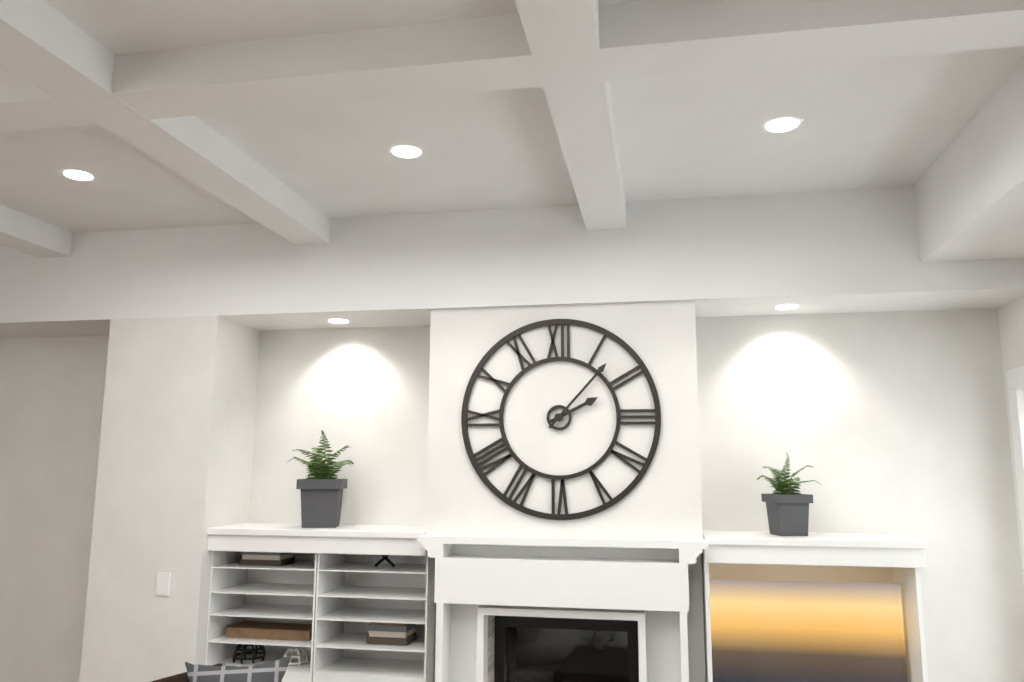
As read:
{"hour": 2, "minute": 7}
